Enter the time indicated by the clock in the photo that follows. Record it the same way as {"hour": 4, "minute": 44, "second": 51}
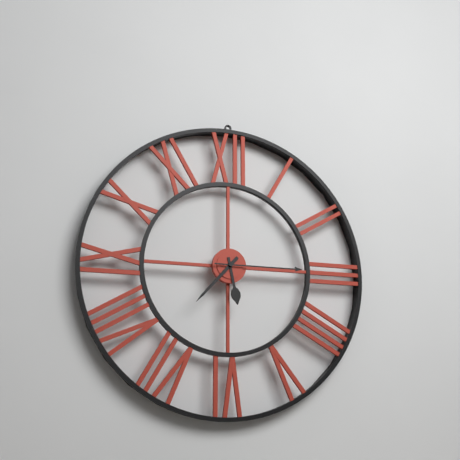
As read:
{"hour": 5, "minute": 37, "second": 15}
